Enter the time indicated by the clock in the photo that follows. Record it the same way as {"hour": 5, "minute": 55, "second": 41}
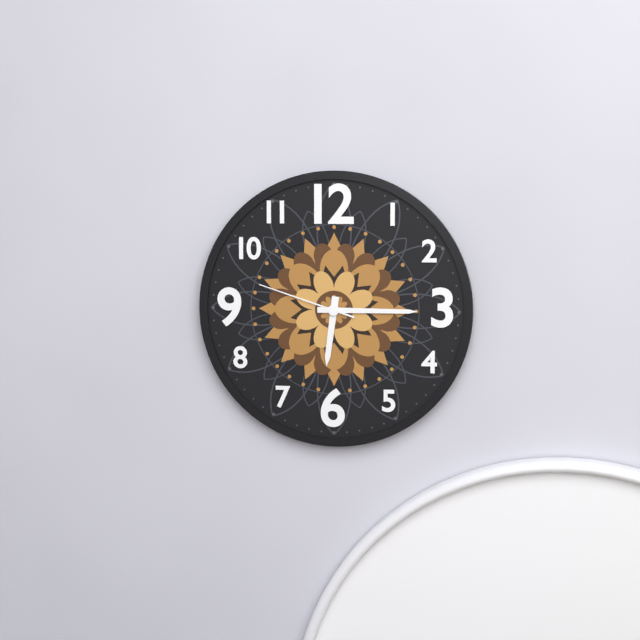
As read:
{"hour": 6, "minute": 15, "second": 48}
